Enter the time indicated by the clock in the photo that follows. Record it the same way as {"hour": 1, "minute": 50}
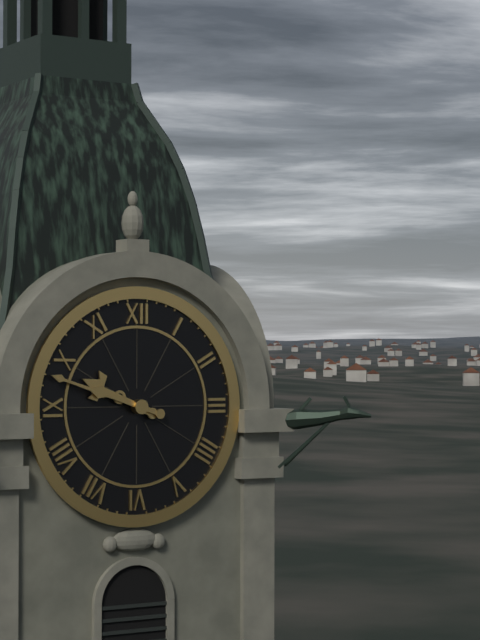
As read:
{"hour": 9, "minute": 48}
